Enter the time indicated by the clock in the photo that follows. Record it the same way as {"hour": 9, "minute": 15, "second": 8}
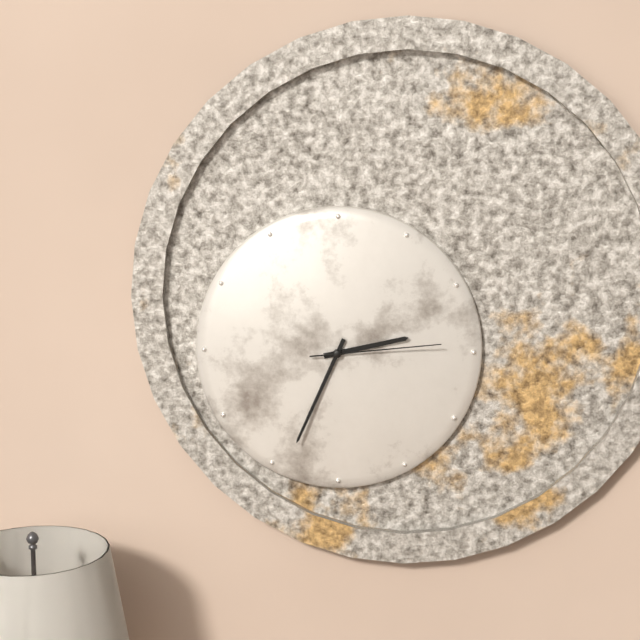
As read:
{"hour": 2, "minute": 34, "second": 14}
